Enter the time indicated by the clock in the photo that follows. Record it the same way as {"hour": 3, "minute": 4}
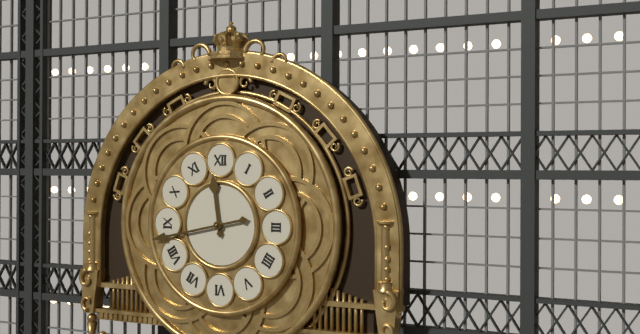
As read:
{"hour": 11, "minute": 43}
